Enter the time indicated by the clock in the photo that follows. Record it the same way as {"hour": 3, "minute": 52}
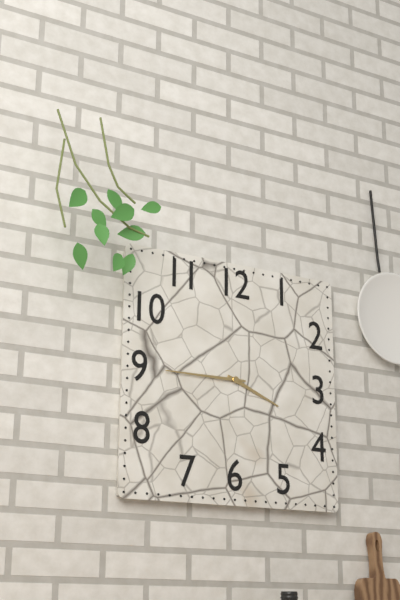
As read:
{"hour": 3, "minute": 45}
